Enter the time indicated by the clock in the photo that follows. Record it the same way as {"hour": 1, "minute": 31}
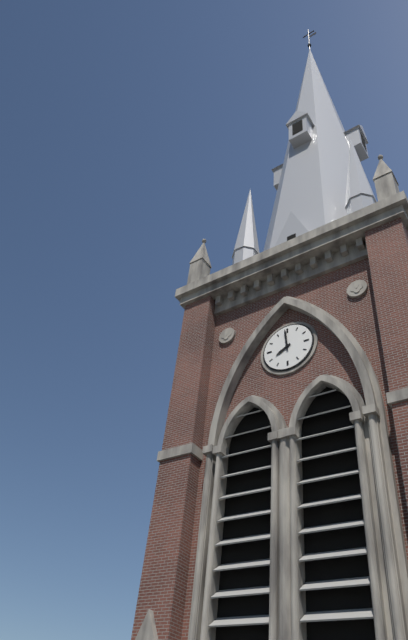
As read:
{"hour": 7, "minute": 59}
